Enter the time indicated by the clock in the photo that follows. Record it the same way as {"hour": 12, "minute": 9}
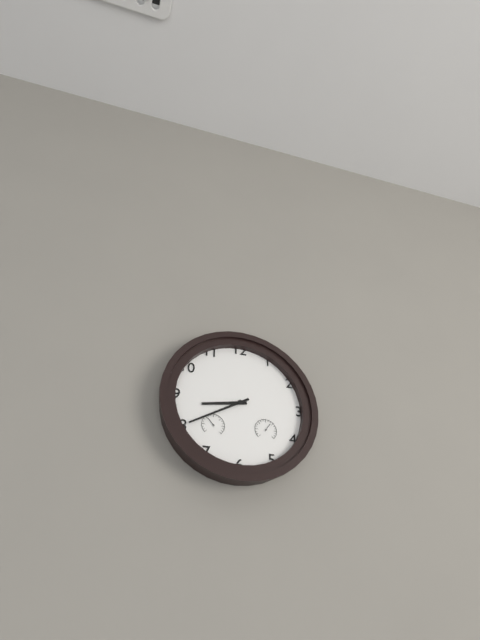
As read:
{"hour": 8, "minute": 40}
